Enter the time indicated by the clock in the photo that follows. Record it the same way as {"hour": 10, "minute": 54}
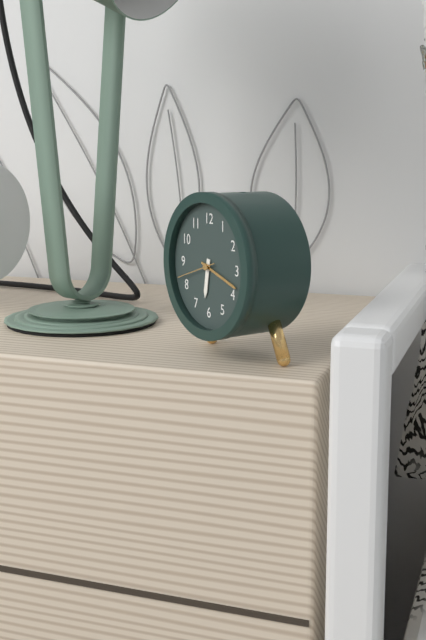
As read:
{"hour": 6, "minute": 18}
